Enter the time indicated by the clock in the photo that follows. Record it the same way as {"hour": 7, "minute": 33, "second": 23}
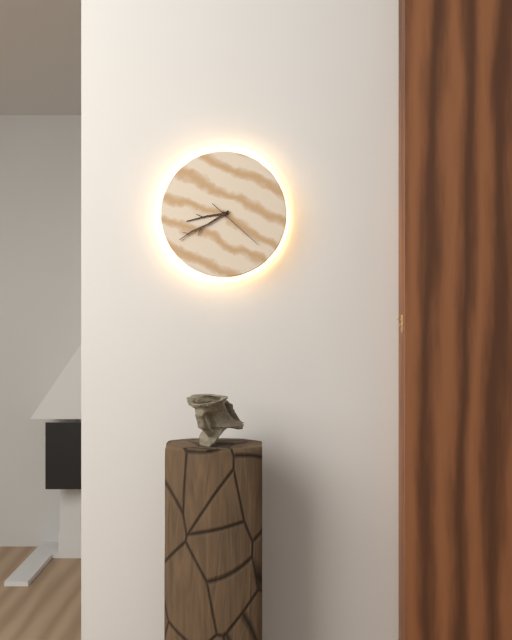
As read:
{"hour": 8, "minute": 40, "second": 22}
